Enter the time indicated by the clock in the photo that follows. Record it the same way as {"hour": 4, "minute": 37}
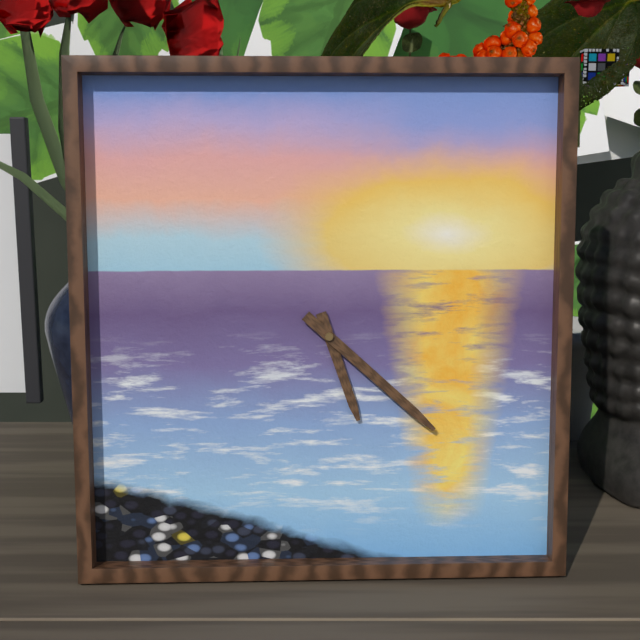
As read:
{"hour": 5, "minute": 22}
